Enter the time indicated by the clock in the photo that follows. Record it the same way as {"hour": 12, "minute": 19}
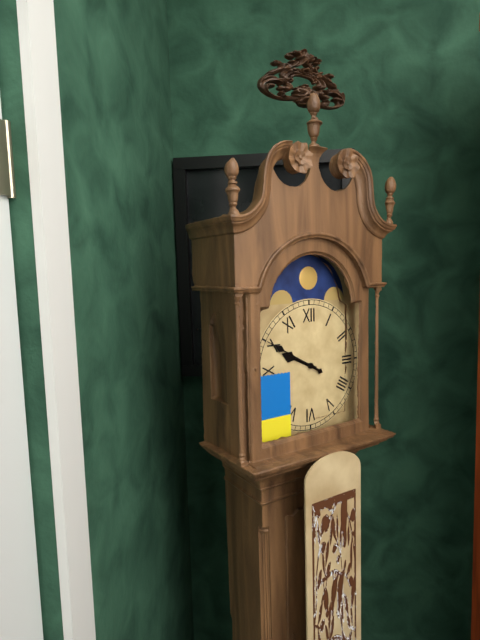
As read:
{"hour": 9, "minute": 50}
